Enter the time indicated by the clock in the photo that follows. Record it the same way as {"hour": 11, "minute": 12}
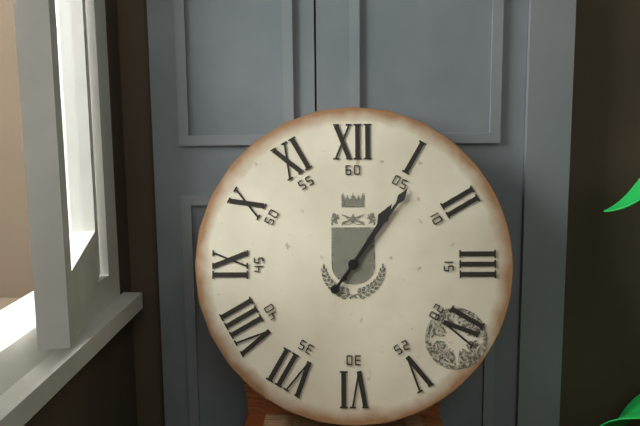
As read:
{"hour": 1, "minute": 6}
